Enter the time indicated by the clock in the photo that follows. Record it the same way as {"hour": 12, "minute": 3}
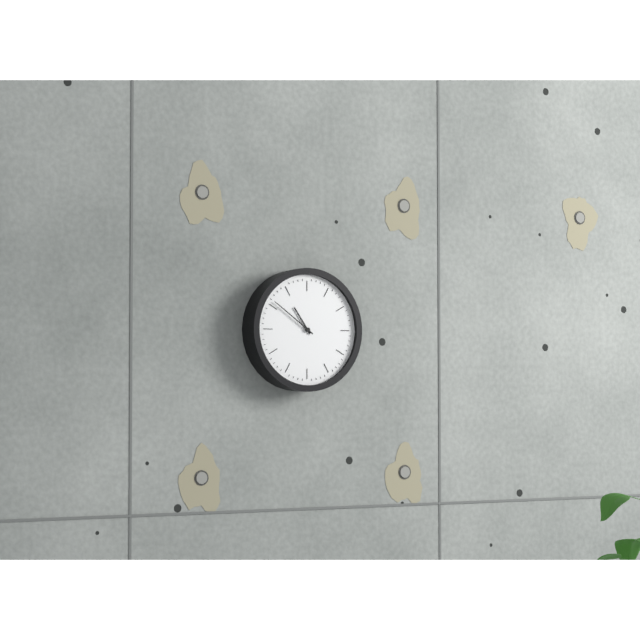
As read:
{"hour": 10, "minute": 51}
